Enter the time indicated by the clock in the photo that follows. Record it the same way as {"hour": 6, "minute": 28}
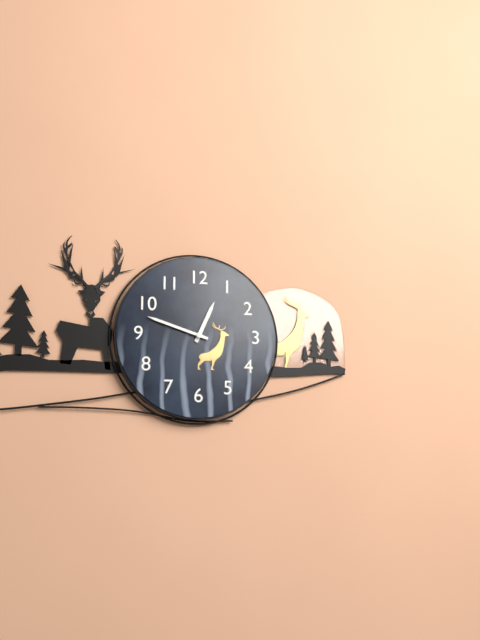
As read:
{"hour": 12, "minute": 48}
